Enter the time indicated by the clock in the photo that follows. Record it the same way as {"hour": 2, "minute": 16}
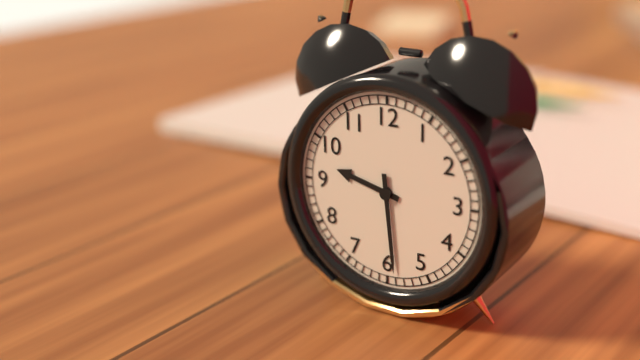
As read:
{"hour": 9, "minute": 29}
